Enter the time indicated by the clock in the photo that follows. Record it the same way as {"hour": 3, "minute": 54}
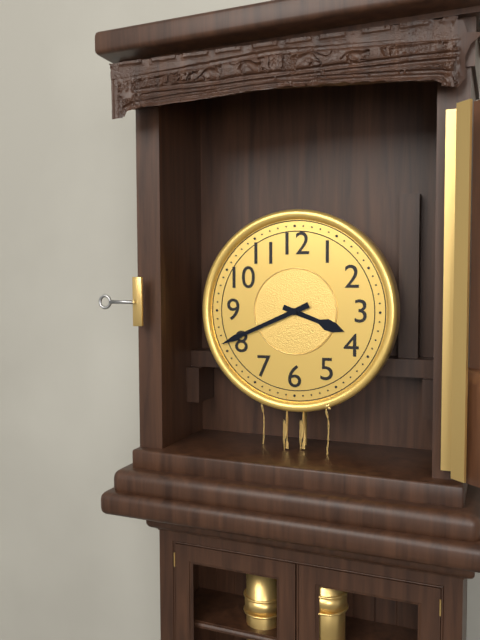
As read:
{"hour": 3, "minute": 41}
